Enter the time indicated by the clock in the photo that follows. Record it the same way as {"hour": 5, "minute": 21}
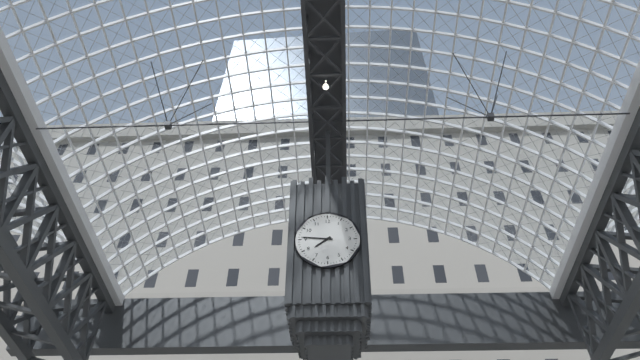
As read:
{"hour": 7, "minute": 46}
